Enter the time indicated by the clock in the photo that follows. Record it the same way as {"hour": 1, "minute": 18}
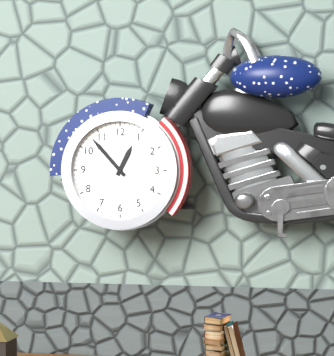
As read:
{"hour": 12, "minute": 53}
